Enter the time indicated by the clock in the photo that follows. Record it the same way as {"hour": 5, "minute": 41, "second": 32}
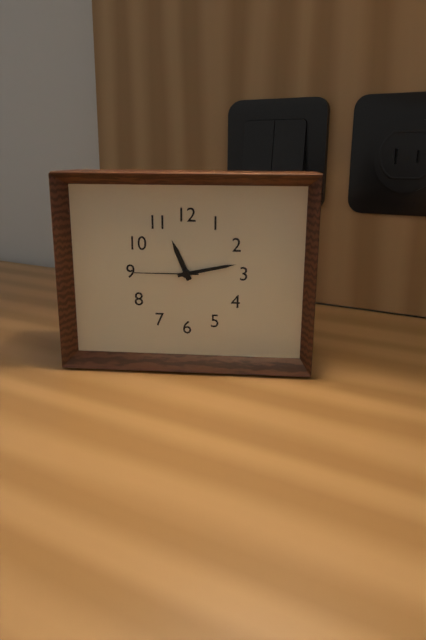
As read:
{"hour": 11, "minute": 13, "second": 45}
